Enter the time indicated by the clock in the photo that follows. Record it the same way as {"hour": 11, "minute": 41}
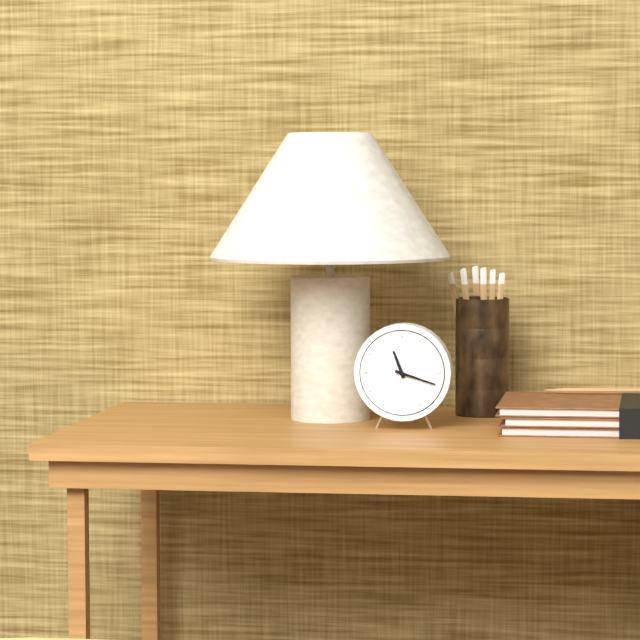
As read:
{"hour": 11, "minute": 18}
